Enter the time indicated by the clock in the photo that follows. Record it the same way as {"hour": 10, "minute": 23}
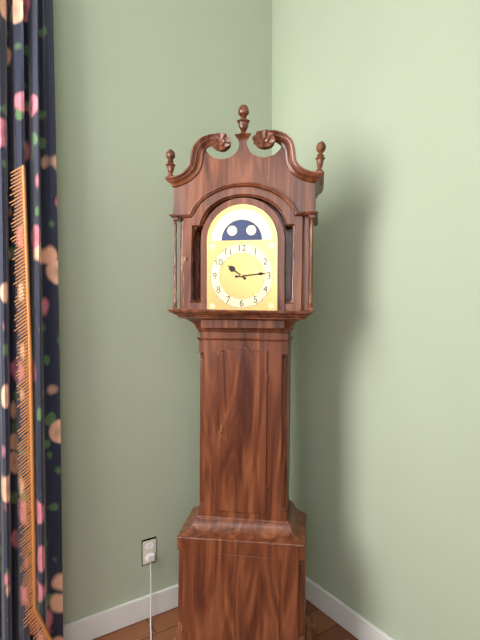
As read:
{"hour": 10, "minute": 14}
